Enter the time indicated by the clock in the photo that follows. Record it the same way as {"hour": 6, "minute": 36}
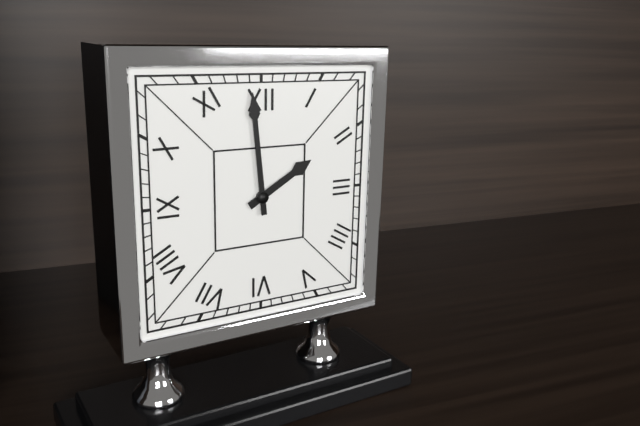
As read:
{"hour": 1, "minute": 59}
